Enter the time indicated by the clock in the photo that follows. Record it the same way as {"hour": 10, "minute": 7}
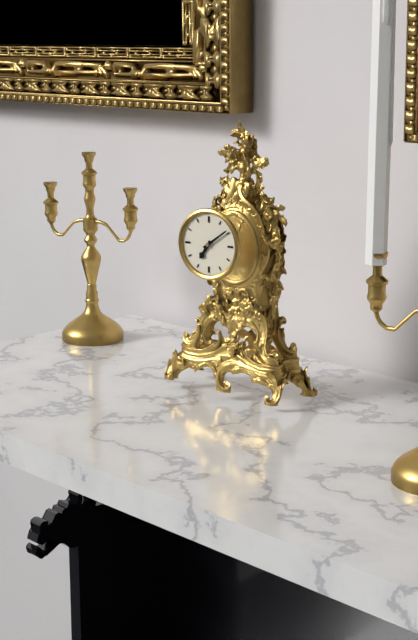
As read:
{"hour": 7, "minute": 9}
